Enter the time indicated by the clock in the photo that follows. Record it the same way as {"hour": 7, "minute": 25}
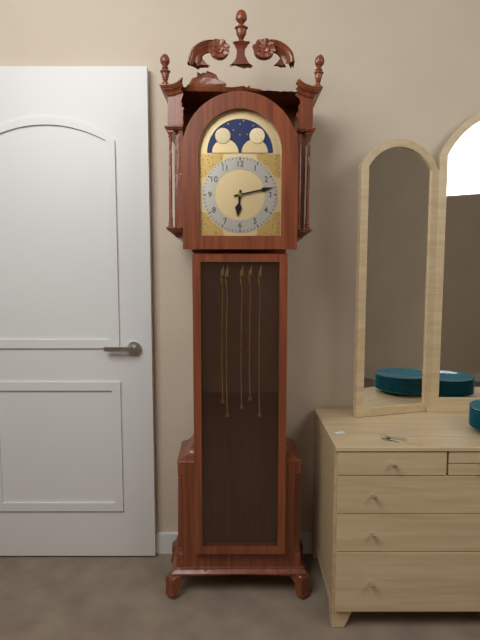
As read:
{"hour": 6, "minute": 13}
